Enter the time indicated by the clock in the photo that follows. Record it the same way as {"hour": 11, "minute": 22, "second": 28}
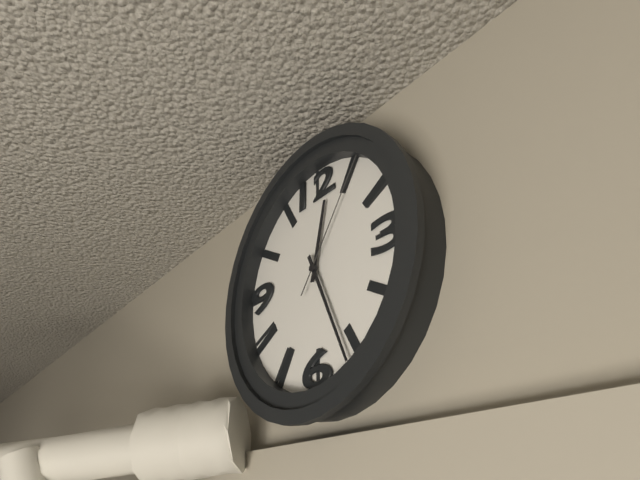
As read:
{"hour": 12, "minute": 26, "second": 6}
